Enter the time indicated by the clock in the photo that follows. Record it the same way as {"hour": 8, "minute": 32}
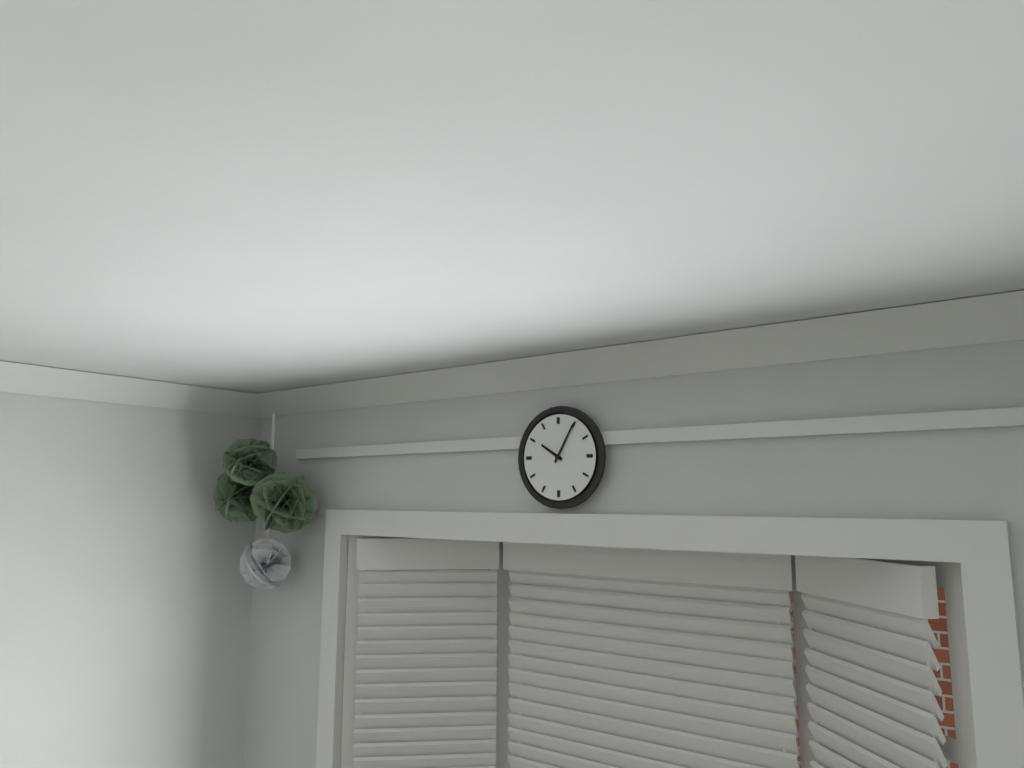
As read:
{"hour": 10, "minute": 5}
